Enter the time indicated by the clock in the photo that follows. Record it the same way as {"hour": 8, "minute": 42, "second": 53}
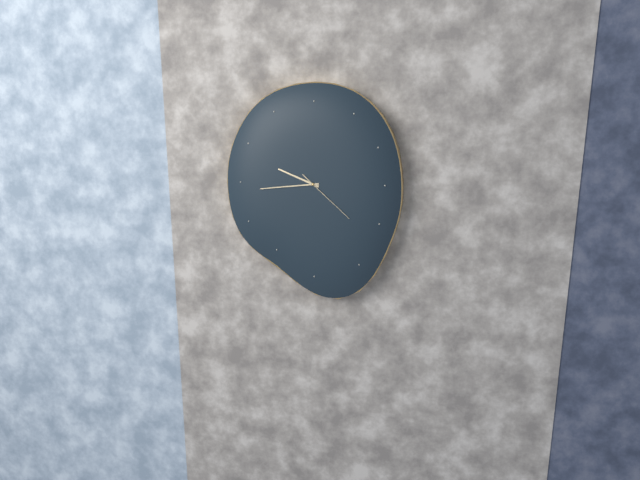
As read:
{"hour": 9, "minute": 44, "second": 22}
